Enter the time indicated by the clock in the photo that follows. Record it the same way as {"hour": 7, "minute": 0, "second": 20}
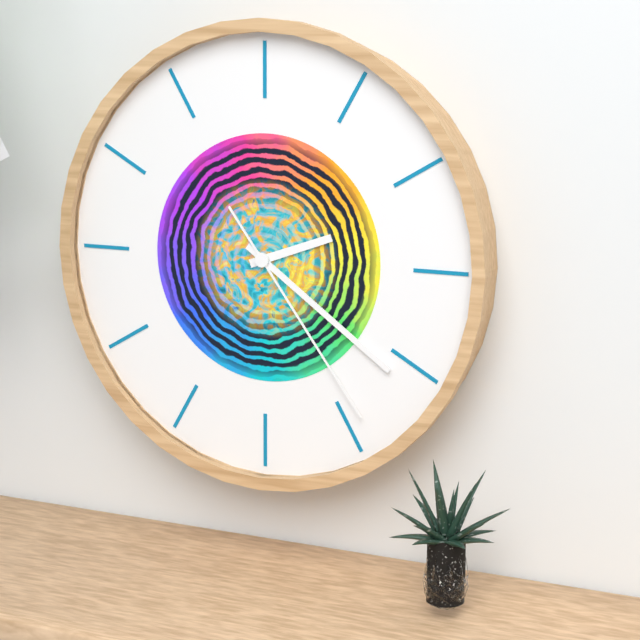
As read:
{"hour": 2, "minute": 21, "second": 24}
